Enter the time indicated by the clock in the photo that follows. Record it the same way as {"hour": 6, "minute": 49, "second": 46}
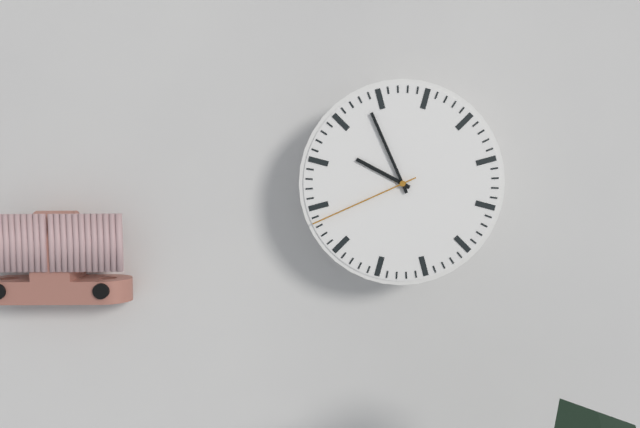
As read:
{"hour": 9, "minute": 56, "second": 41}
